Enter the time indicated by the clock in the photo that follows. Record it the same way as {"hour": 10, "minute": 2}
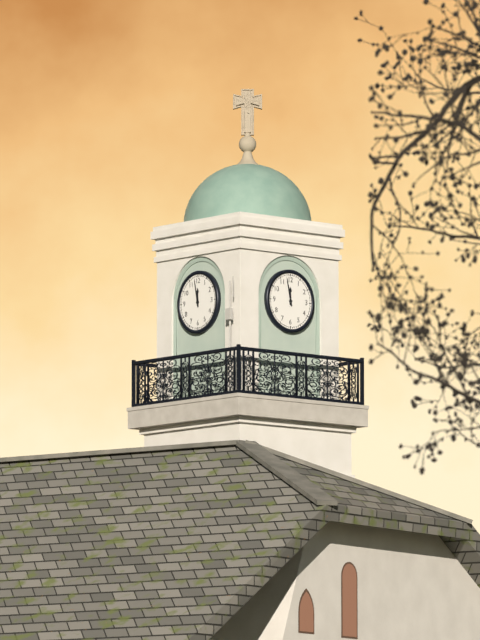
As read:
{"hour": 11, "minute": 58}
